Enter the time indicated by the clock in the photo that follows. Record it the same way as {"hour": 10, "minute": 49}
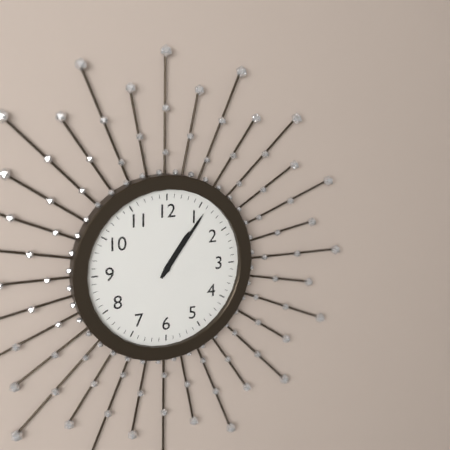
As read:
{"hour": 1, "minute": 6}
